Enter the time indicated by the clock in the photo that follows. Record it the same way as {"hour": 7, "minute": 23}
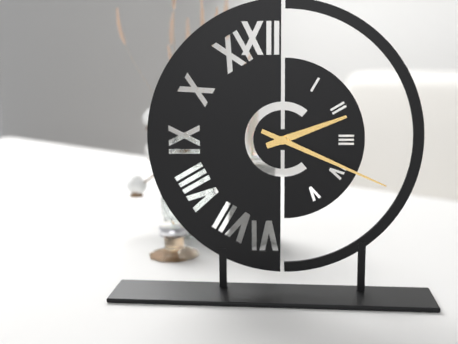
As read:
{"hour": 2, "minute": 19}
